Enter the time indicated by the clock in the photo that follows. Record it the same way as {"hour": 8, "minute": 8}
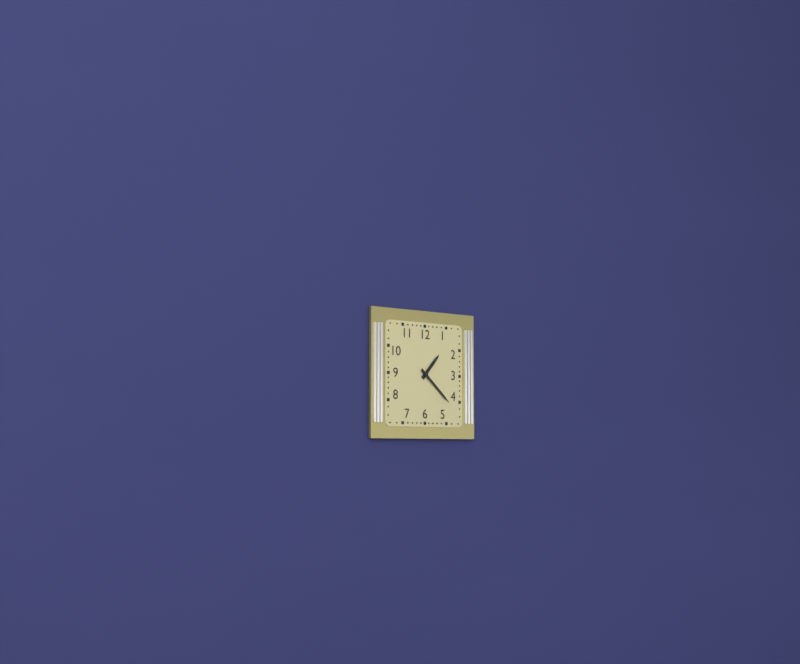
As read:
{"hour": 1, "minute": 22}
